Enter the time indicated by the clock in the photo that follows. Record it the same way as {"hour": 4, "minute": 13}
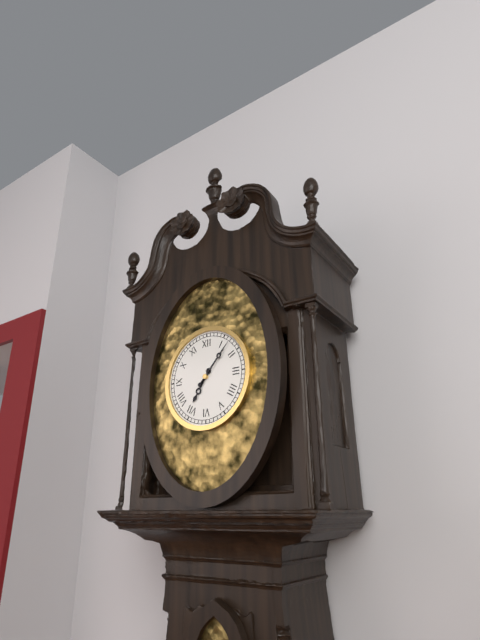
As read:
{"hour": 7, "minute": 7}
